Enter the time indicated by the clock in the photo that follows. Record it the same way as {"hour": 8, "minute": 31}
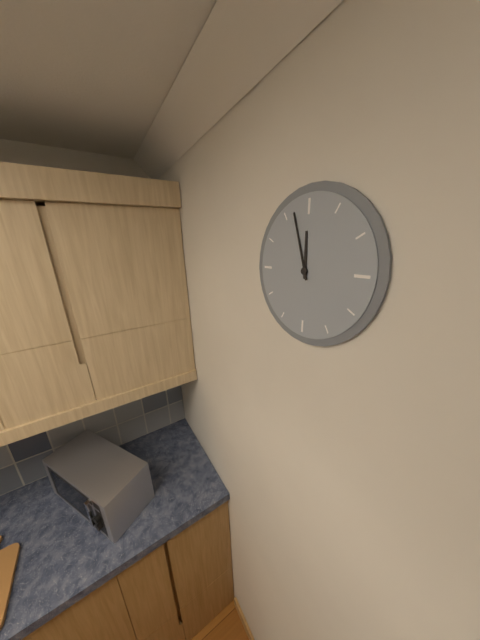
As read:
{"hour": 11, "minute": 57}
